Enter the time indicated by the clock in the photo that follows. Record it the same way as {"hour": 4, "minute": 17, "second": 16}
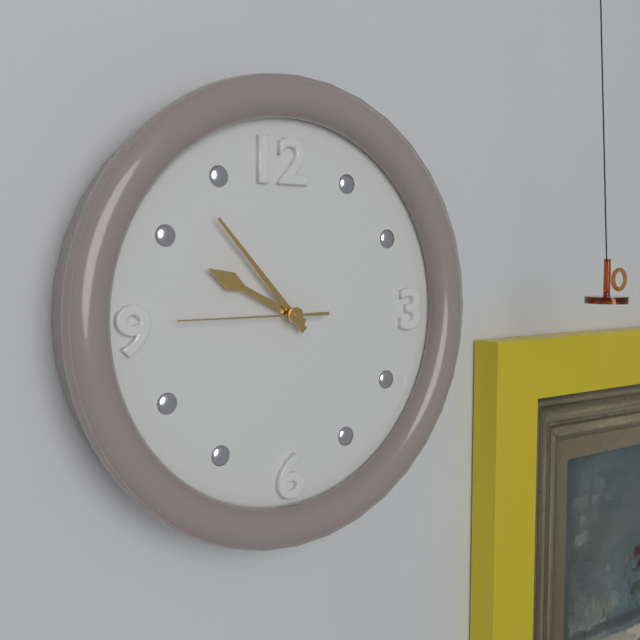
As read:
{"hour": 9, "minute": 53, "second": 45}
